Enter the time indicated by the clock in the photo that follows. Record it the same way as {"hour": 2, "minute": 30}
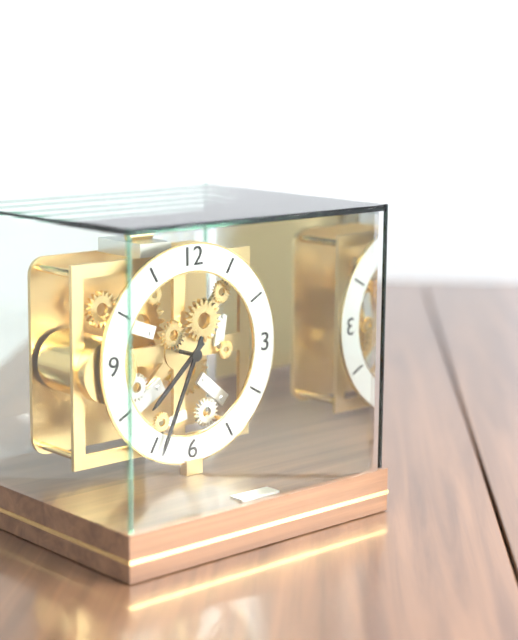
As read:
{"hour": 7, "minute": 34}
